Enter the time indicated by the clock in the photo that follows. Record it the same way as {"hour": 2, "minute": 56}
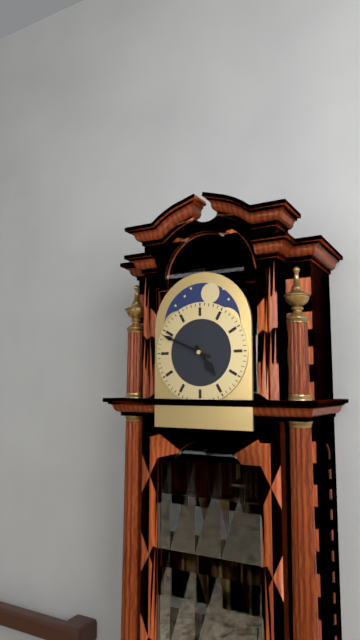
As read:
{"hour": 4, "minute": 49}
